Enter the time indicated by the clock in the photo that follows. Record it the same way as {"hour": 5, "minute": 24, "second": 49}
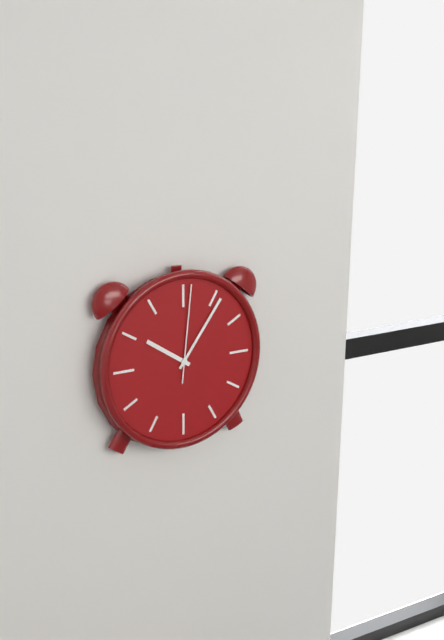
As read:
{"hour": 10, "minute": 6, "second": 1}
